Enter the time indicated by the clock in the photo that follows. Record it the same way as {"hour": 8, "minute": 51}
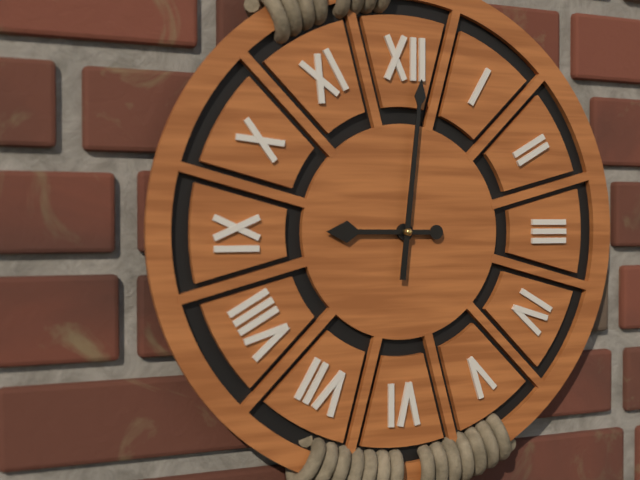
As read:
{"hour": 9, "minute": 1}
